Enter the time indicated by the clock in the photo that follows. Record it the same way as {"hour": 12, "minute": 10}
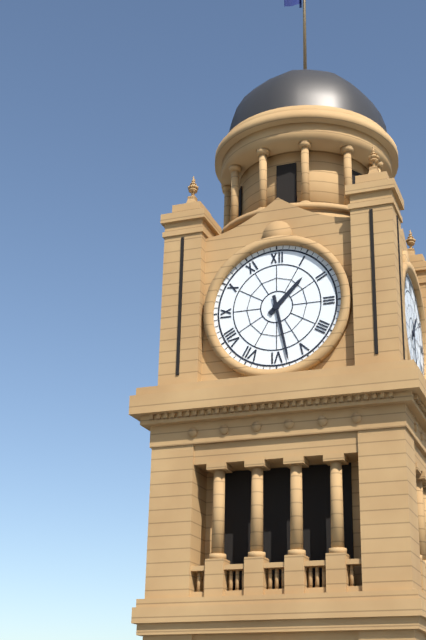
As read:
{"hour": 1, "minute": 28}
